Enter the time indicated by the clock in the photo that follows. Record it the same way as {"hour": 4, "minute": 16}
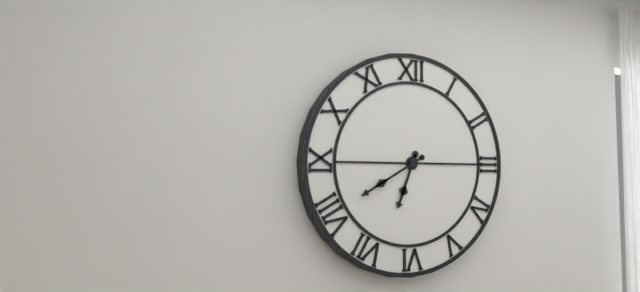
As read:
{"hour": 6, "minute": 40}
